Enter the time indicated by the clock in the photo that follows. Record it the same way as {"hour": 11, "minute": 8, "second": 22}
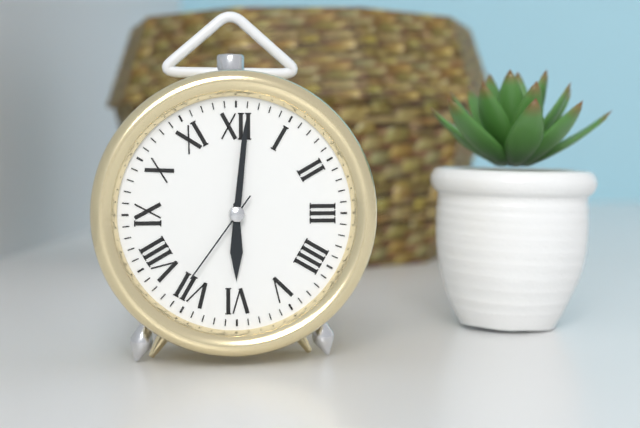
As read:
{"hour": 6, "minute": 1, "second": 36}
